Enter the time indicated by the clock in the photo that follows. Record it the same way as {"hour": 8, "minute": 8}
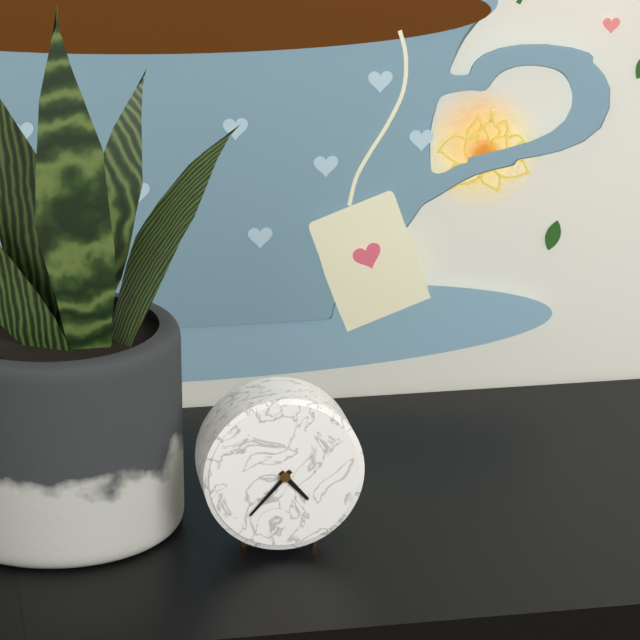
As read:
{"hour": 4, "minute": 37}
